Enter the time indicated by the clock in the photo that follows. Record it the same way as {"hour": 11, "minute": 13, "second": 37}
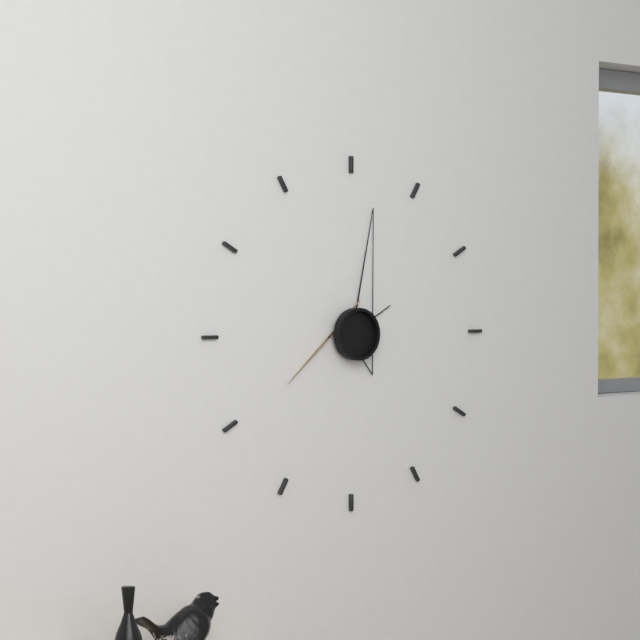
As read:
{"hour": 2, "minute": 2, "second": 40}
